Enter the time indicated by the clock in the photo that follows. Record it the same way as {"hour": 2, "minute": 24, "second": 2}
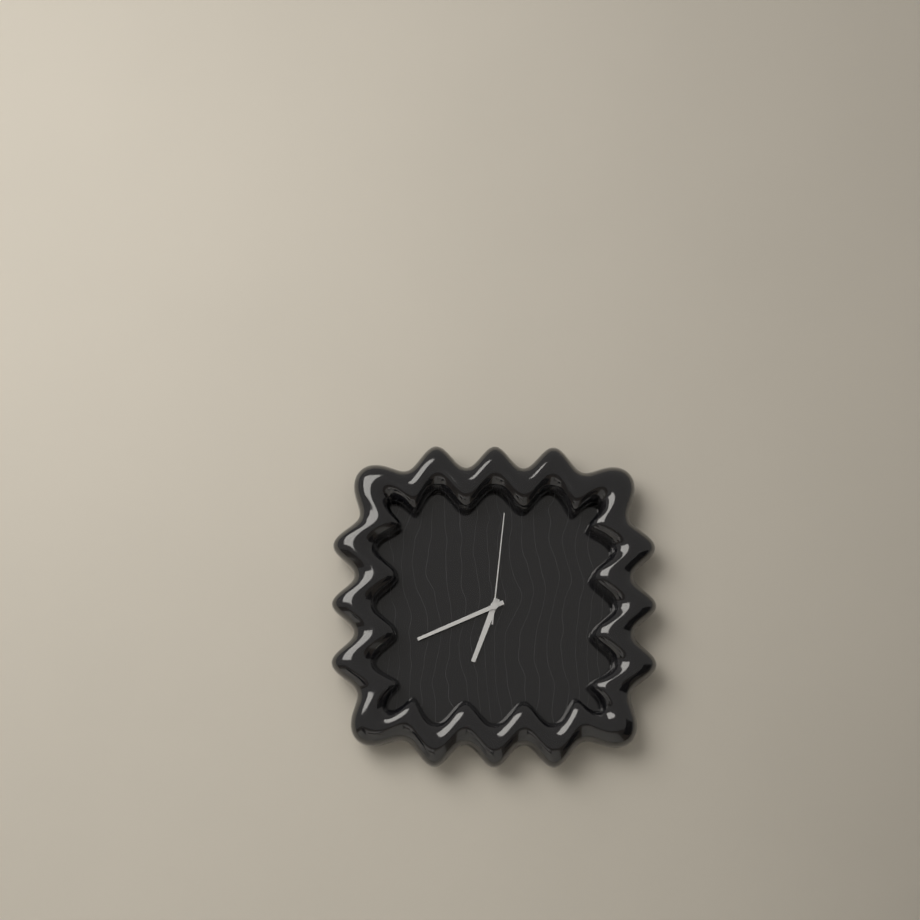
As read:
{"hour": 6, "minute": 41, "second": 1}
